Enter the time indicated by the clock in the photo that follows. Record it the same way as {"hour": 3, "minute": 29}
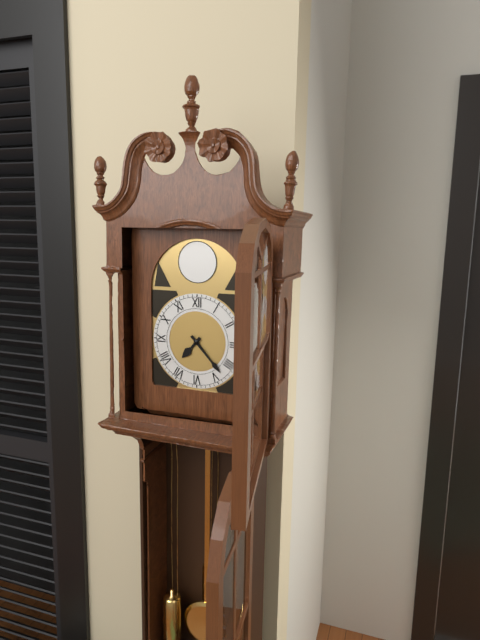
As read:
{"hour": 7, "minute": 23}
